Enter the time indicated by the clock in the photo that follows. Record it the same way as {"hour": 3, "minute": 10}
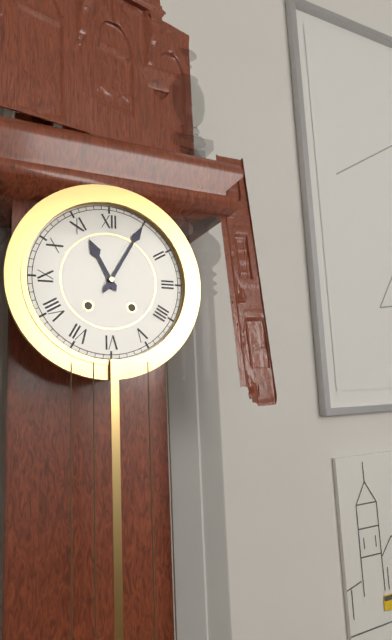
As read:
{"hour": 11, "minute": 5}
